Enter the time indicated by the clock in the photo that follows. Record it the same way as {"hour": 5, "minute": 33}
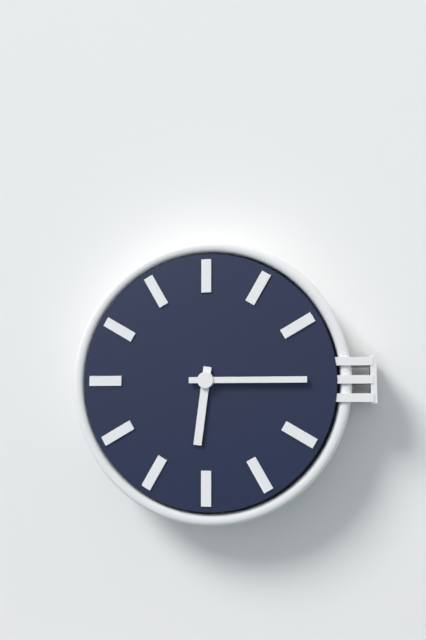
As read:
{"hour": 6, "minute": 15}
